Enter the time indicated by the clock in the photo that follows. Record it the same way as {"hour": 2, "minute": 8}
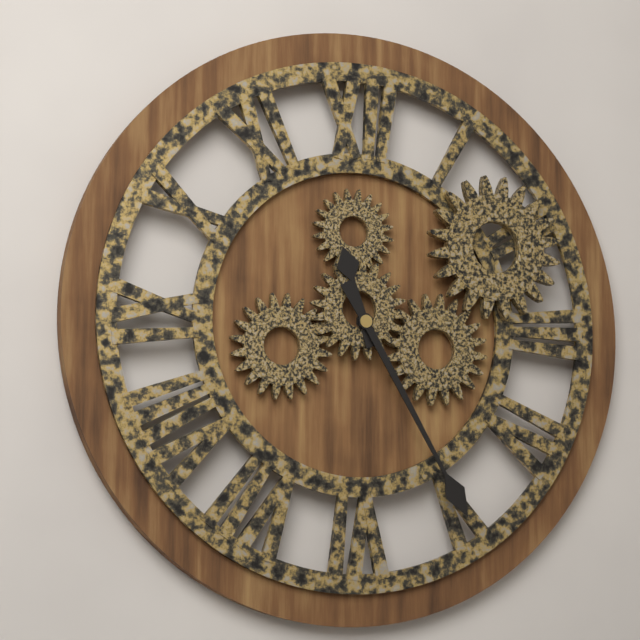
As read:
{"hour": 11, "minute": 25}
